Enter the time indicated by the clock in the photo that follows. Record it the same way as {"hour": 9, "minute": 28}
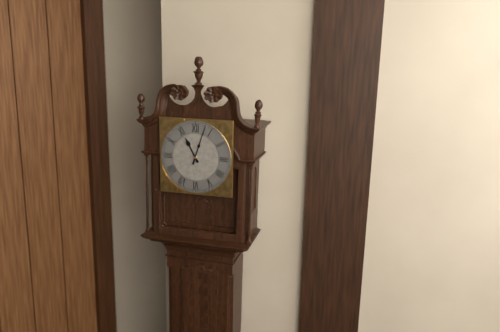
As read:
{"hour": 11, "minute": 3}
